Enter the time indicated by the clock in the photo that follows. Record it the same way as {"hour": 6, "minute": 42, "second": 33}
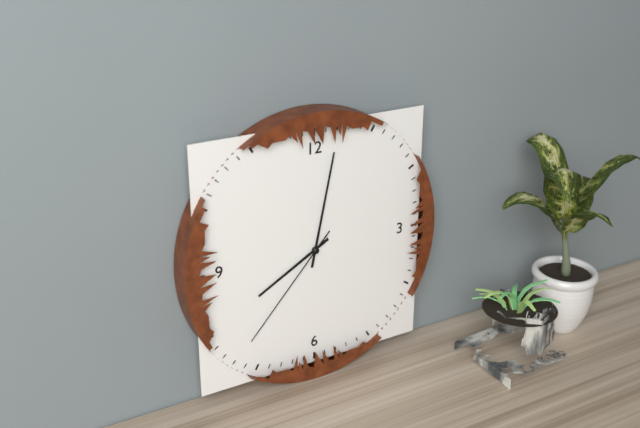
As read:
{"hour": 8, "minute": 2, "second": 37}
